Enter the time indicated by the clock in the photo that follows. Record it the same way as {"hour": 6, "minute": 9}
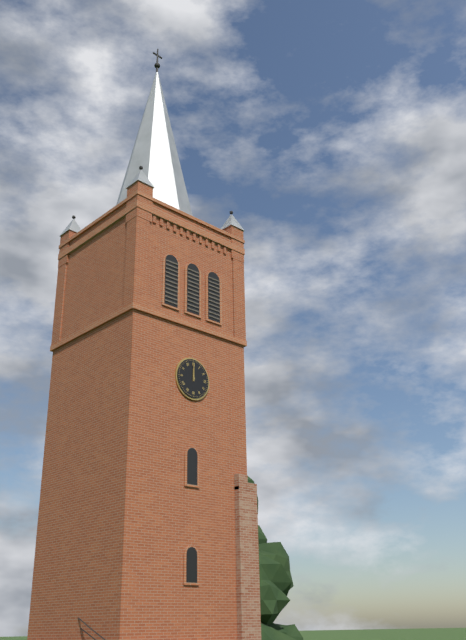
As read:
{"hour": 12, "minute": 0}
